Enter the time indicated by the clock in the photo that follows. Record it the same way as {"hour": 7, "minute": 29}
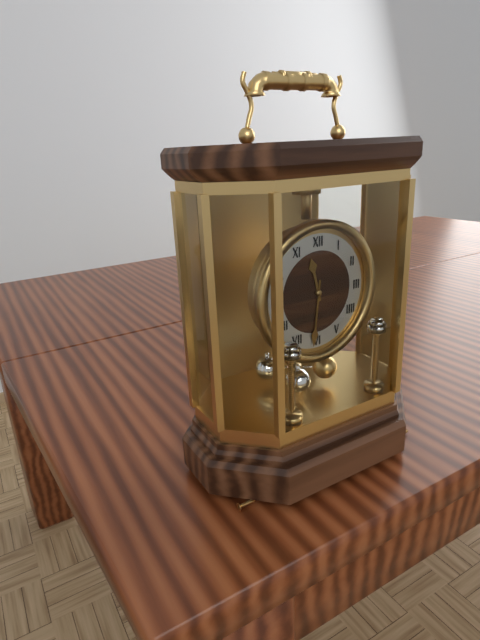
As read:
{"hour": 11, "minute": 31}
